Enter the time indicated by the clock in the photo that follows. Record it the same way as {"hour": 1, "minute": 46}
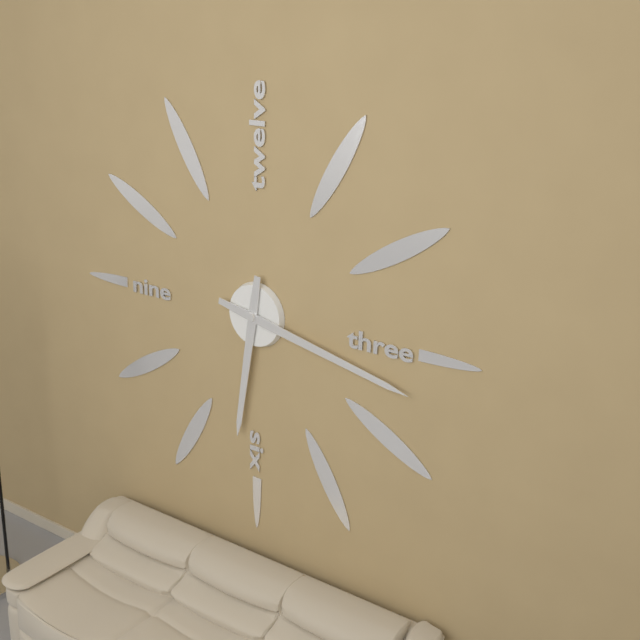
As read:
{"hour": 6, "minute": 17}
